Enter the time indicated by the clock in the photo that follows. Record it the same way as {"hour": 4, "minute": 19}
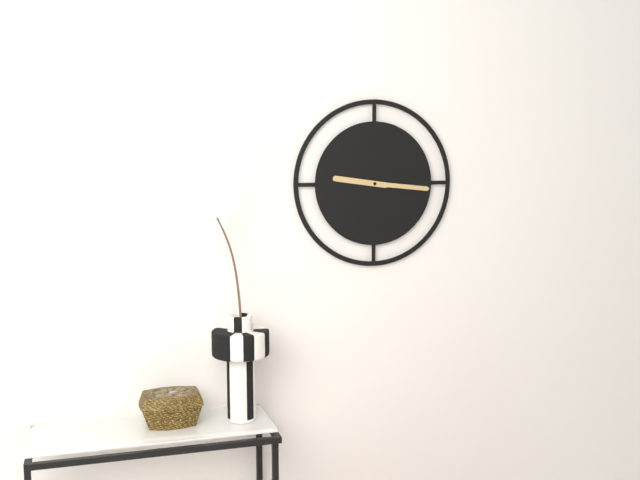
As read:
{"hour": 9, "minute": 16}
